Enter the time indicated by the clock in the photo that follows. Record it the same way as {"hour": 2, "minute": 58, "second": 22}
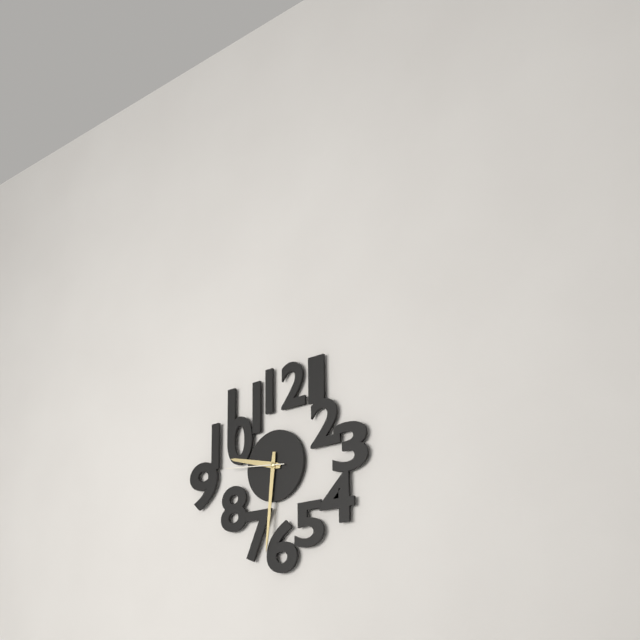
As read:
{"hour": 9, "minute": 31, "second": 46}
